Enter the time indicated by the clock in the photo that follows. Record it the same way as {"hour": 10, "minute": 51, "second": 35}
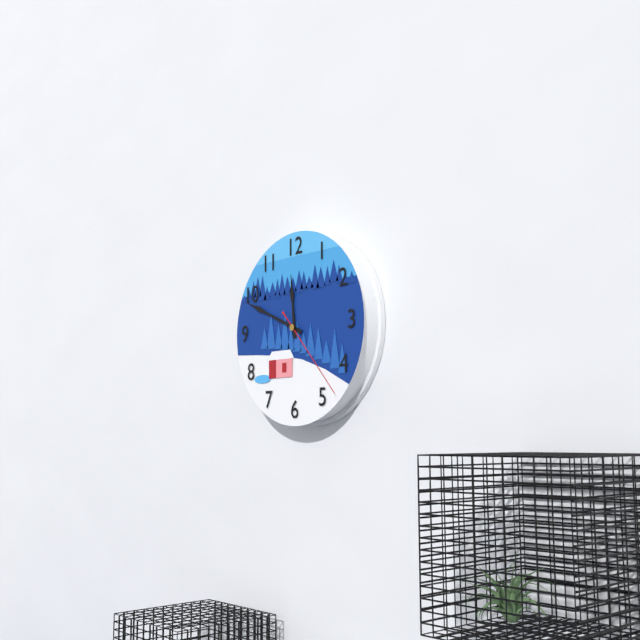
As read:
{"hour": 11, "minute": 49, "second": 23}
